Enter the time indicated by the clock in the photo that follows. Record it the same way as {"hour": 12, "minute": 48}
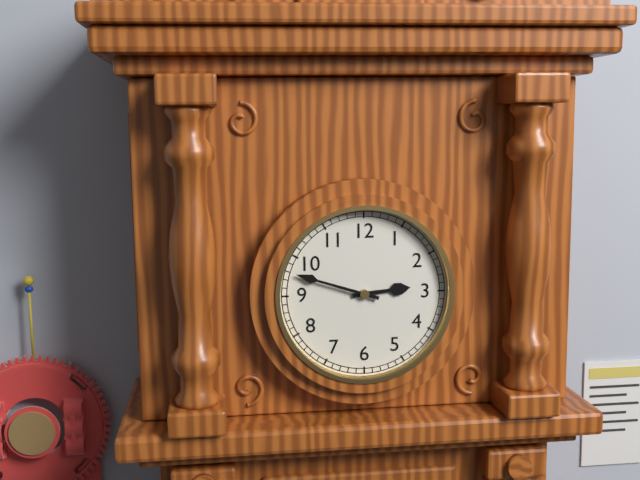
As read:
{"hour": 2, "minute": 48}
